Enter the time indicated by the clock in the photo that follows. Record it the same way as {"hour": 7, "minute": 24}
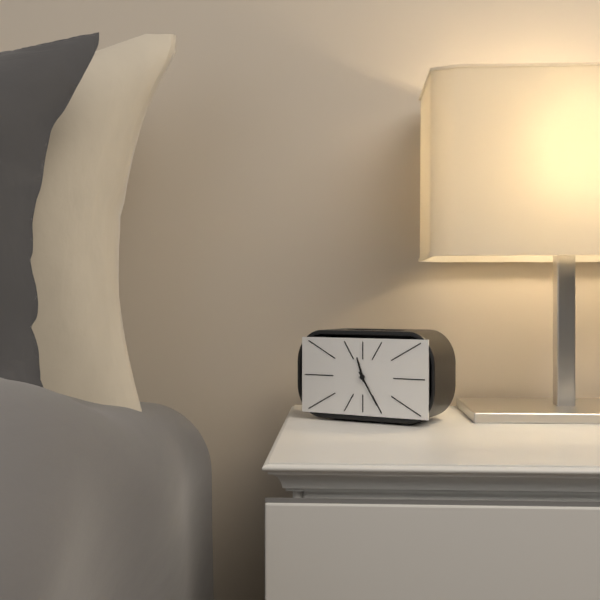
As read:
{"hour": 11, "minute": 25}
